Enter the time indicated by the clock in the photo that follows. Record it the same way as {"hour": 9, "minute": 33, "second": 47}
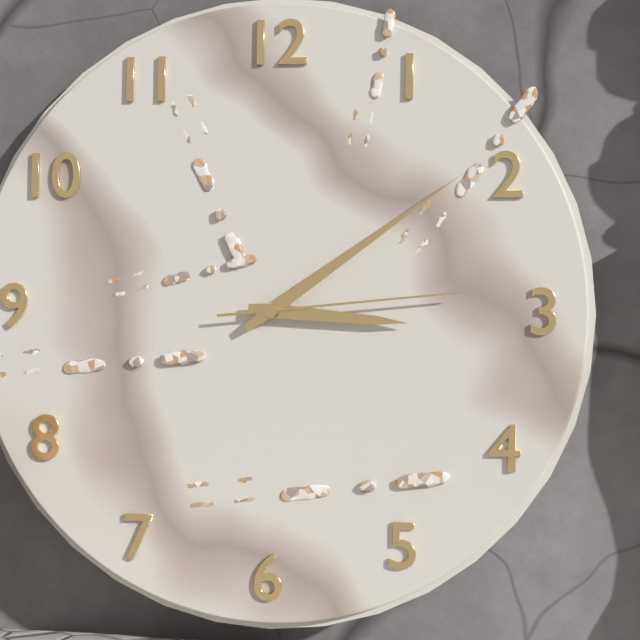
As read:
{"hour": 3, "minute": 9, "second": 14}
